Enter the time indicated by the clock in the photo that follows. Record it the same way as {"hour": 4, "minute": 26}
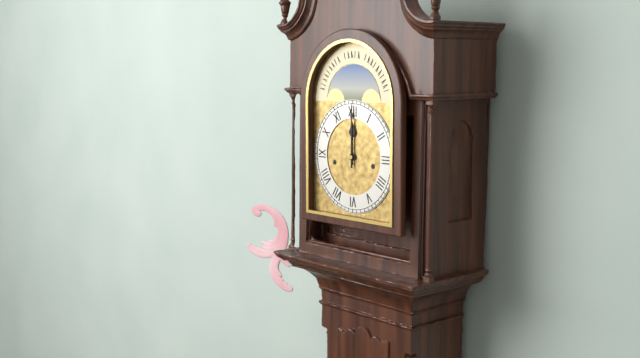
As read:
{"hour": 12, "minute": 0}
